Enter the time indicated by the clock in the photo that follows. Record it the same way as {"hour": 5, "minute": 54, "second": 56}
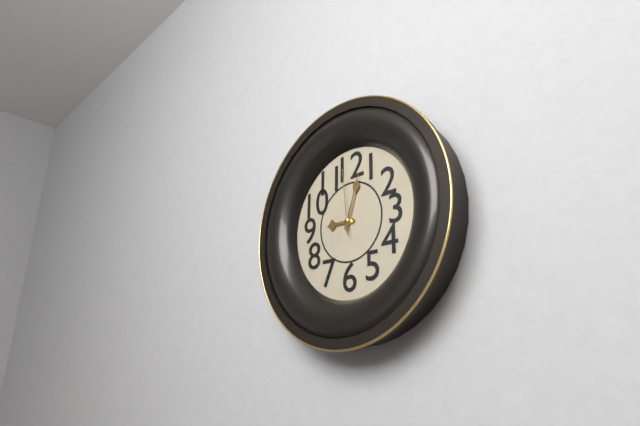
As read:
{"hour": 9, "minute": 3, "second": 59}
